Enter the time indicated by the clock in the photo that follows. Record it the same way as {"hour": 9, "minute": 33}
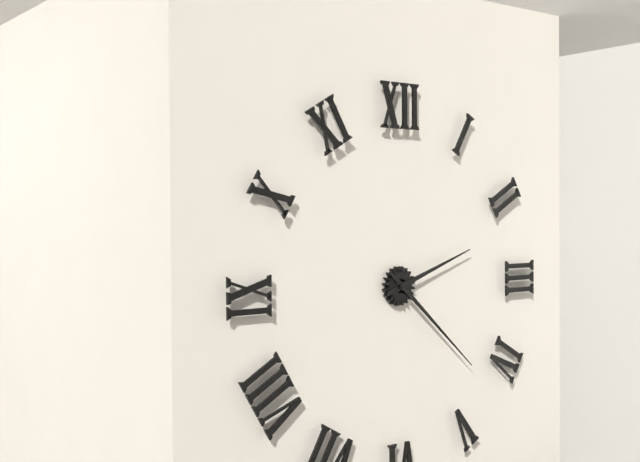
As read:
{"hour": 2, "minute": 22}
